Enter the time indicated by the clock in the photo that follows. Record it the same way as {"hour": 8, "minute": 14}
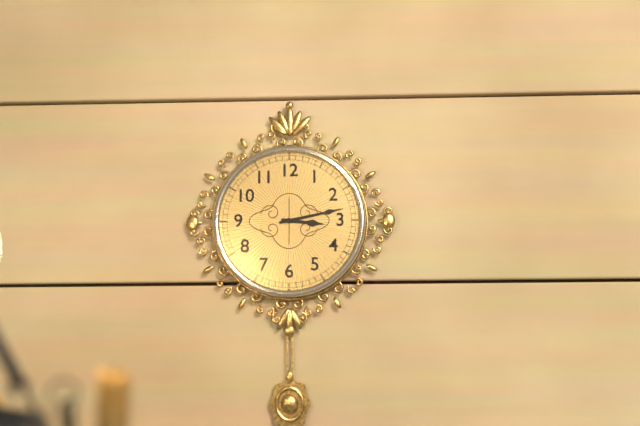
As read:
{"hour": 3, "minute": 13}
